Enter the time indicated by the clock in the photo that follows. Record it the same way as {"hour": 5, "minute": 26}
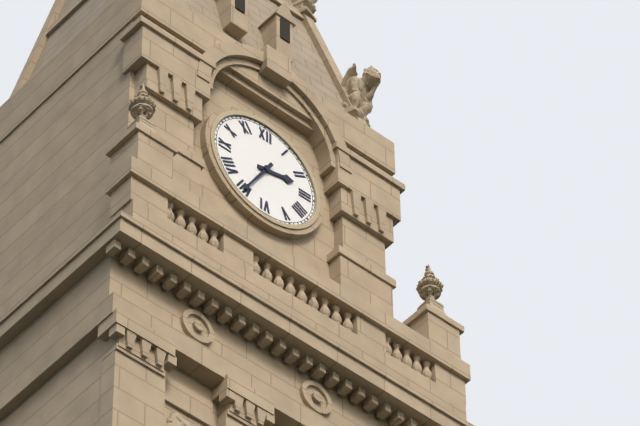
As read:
{"hour": 2, "minute": 35}
